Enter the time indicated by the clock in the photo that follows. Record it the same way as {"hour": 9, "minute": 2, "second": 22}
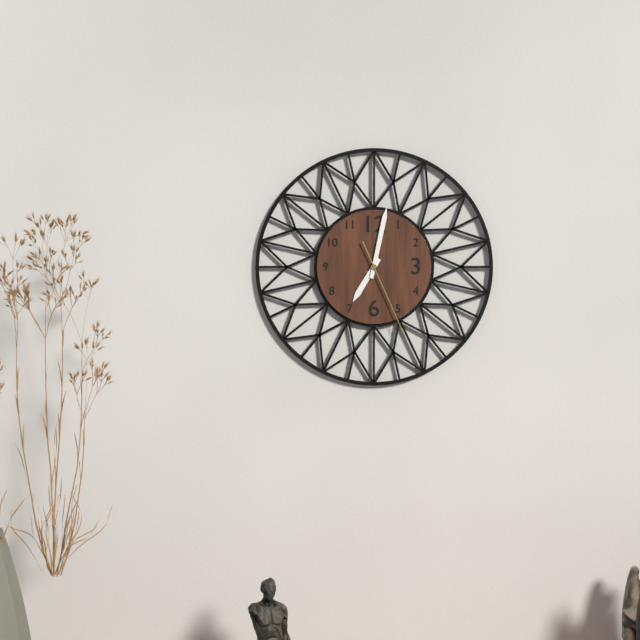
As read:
{"hour": 7, "minute": 2, "second": 26}
